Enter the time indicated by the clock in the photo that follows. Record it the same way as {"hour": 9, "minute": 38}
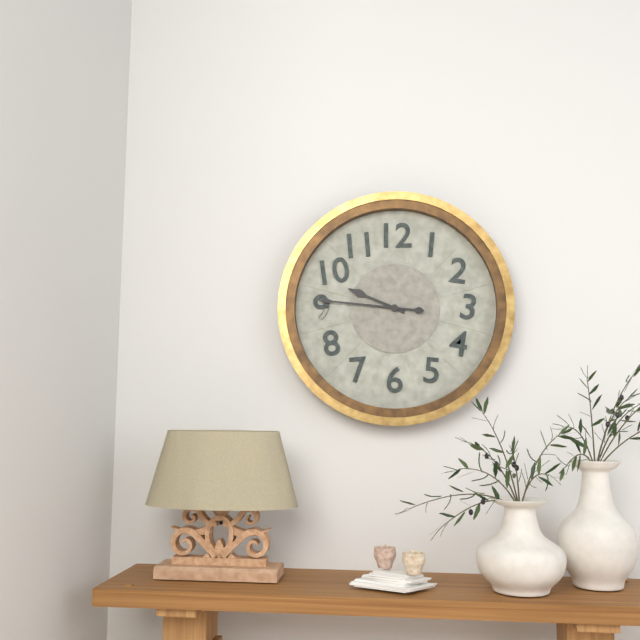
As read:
{"hour": 9, "minute": 46}
